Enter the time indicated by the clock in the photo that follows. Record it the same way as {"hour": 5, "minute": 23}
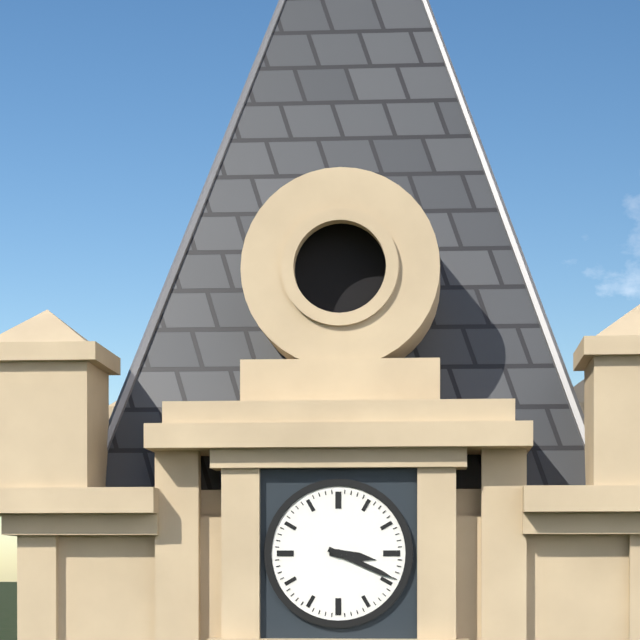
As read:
{"hour": 3, "minute": 19}
